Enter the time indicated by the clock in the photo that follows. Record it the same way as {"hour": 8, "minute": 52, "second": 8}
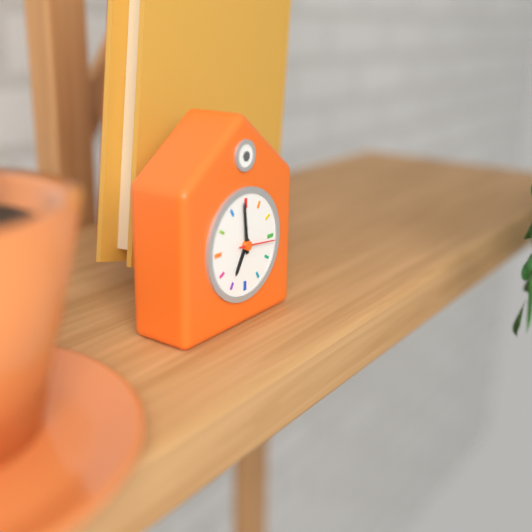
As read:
{"hour": 6, "minute": 59, "second": 16}
